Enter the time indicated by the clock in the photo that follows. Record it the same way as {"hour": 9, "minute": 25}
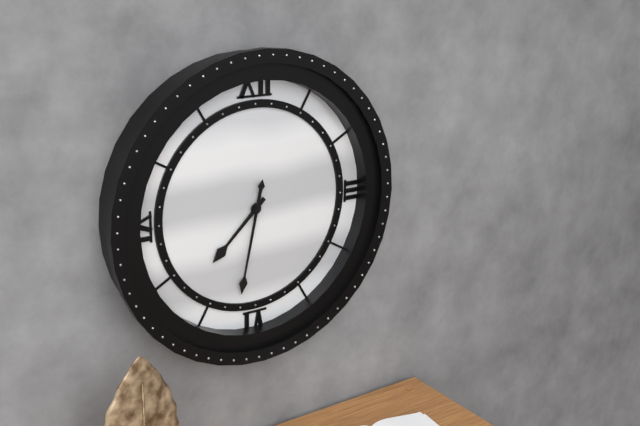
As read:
{"hour": 7, "minute": 32}
